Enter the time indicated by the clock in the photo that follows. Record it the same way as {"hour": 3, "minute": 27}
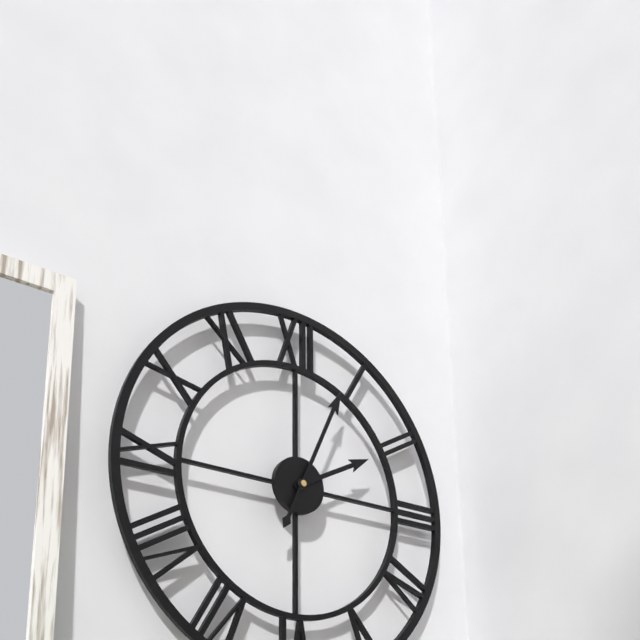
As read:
{"hour": 2, "minute": 4}
